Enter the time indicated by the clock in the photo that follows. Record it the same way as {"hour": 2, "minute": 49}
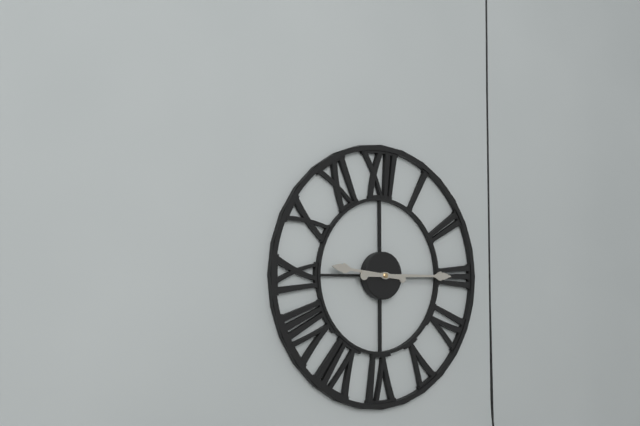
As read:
{"hour": 9, "minute": 15}
